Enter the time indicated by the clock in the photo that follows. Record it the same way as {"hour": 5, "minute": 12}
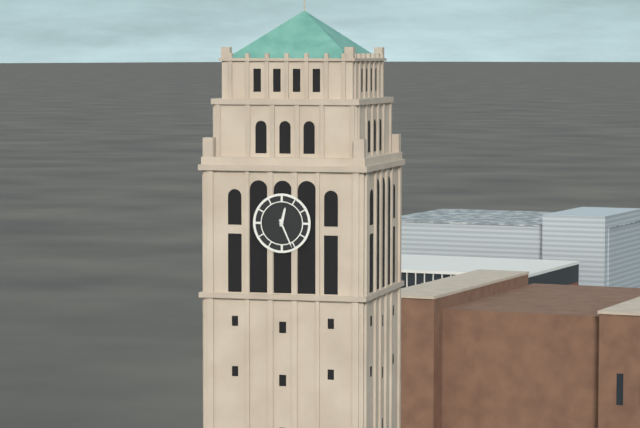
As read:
{"hour": 12, "minute": 26}
